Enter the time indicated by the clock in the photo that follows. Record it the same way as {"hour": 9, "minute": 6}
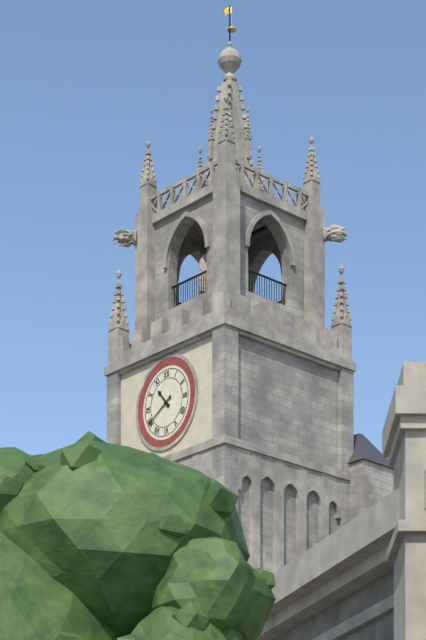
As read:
{"hour": 10, "minute": 40}
